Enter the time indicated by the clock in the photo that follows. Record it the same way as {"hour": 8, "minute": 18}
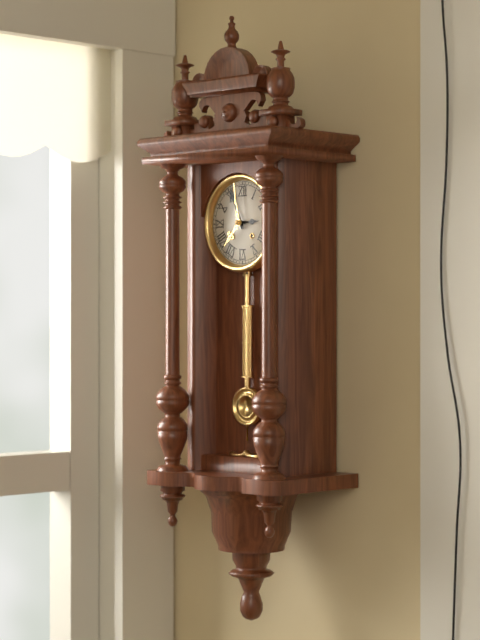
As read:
{"hour": 2, "minute": 56}
